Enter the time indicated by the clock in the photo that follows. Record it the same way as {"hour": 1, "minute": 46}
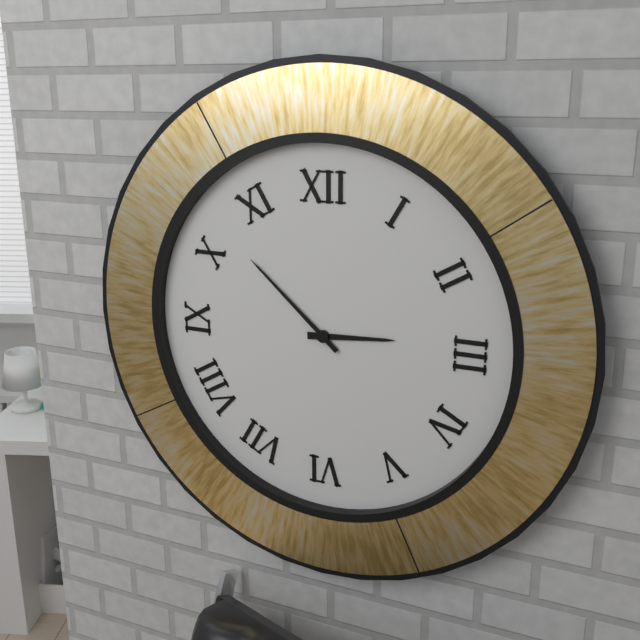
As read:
{"hour": 2, "minute": 52}
